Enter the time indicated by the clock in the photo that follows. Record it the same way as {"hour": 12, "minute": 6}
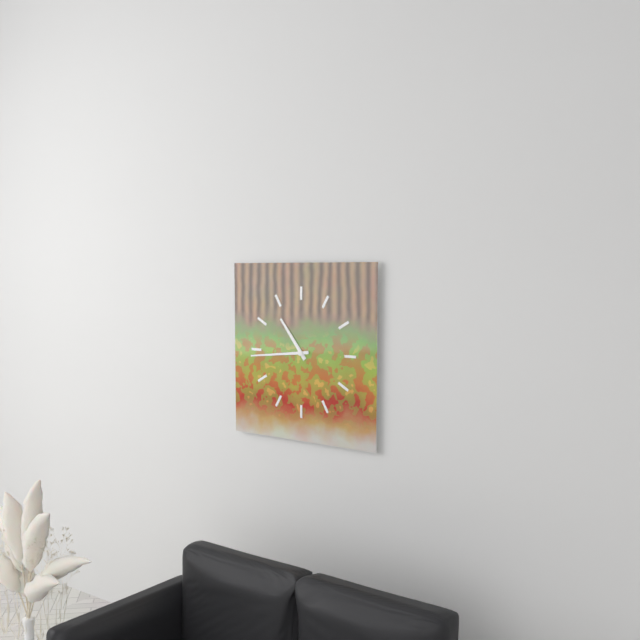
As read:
{"hour": 10, "minute": 44}
